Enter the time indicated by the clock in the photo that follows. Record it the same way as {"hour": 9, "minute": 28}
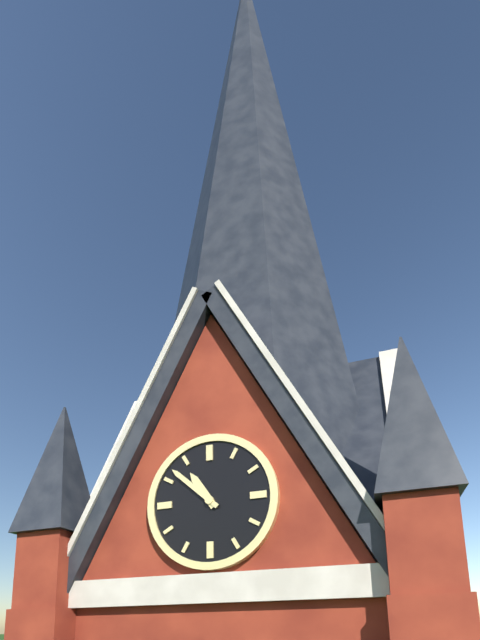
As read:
{"hour": 10, "minute": 52}
